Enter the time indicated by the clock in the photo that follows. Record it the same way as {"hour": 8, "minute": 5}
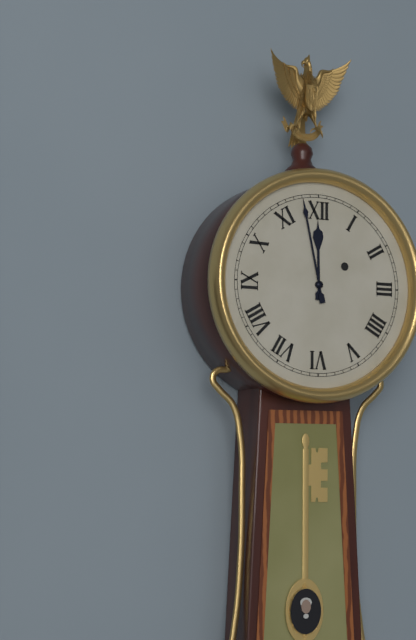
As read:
{"hour": 11, "minute": 58}
